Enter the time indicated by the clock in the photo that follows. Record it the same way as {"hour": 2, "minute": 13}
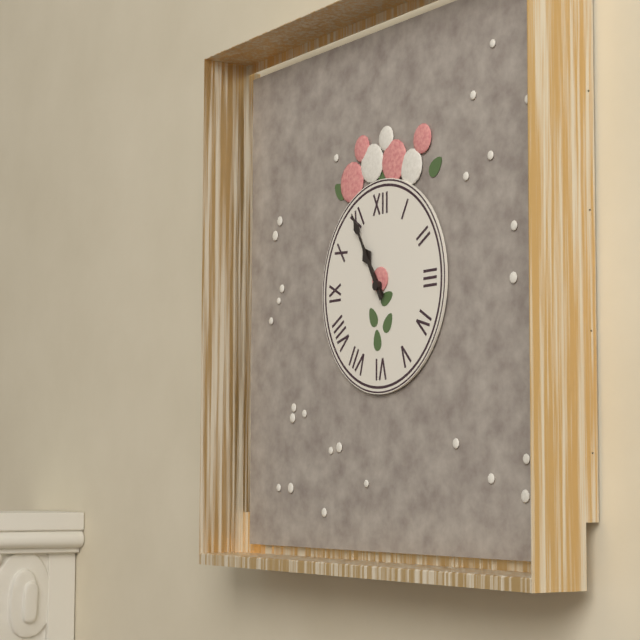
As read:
{"hour": 10, "minute": 55}
